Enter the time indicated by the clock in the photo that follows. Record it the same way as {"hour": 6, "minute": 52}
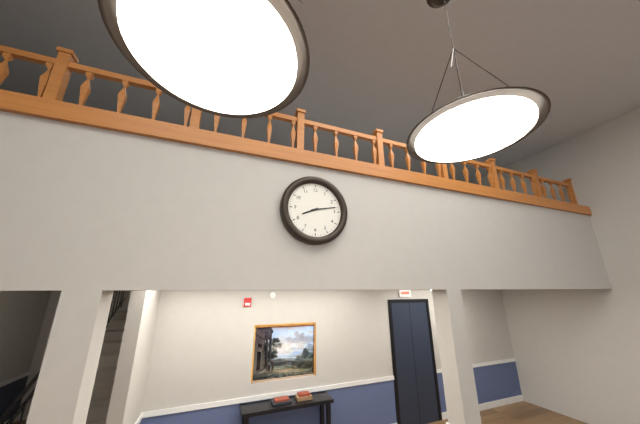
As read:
{"hour": 8, "minute": 13}
